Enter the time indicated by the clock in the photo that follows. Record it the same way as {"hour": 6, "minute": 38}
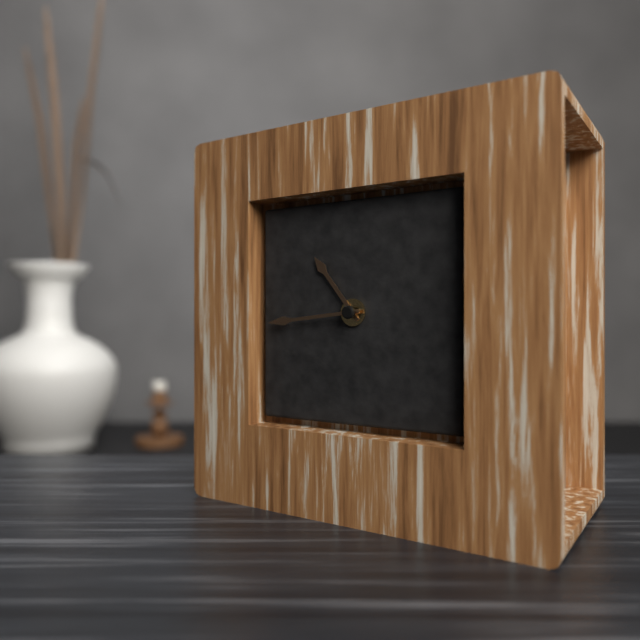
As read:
{"hour": 10, "minute": 44}
